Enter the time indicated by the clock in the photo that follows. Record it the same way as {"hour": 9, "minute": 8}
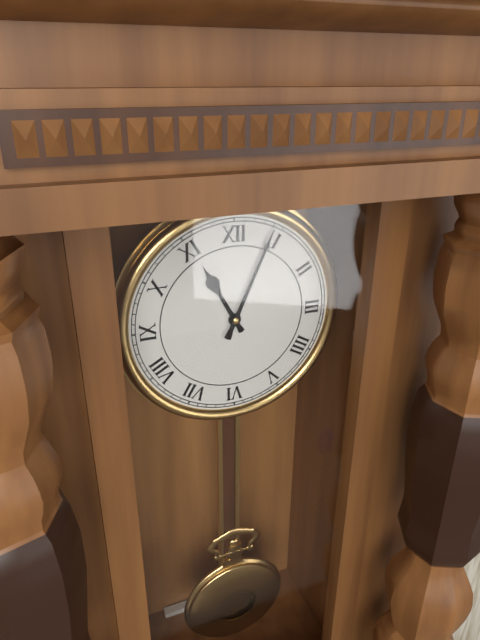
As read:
{"hour": 11, "minute": 4}
